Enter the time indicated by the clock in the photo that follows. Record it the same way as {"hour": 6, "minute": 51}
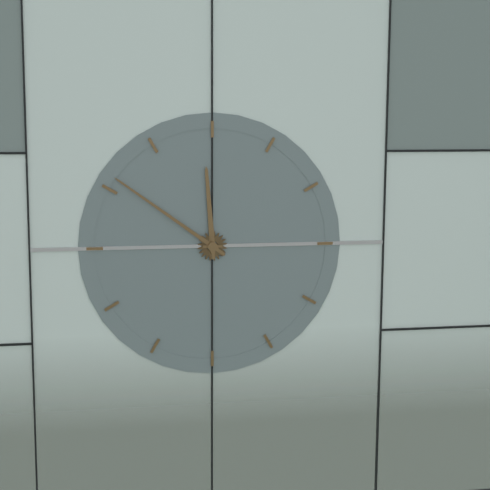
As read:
{"hour": 11, "minute": 51}
